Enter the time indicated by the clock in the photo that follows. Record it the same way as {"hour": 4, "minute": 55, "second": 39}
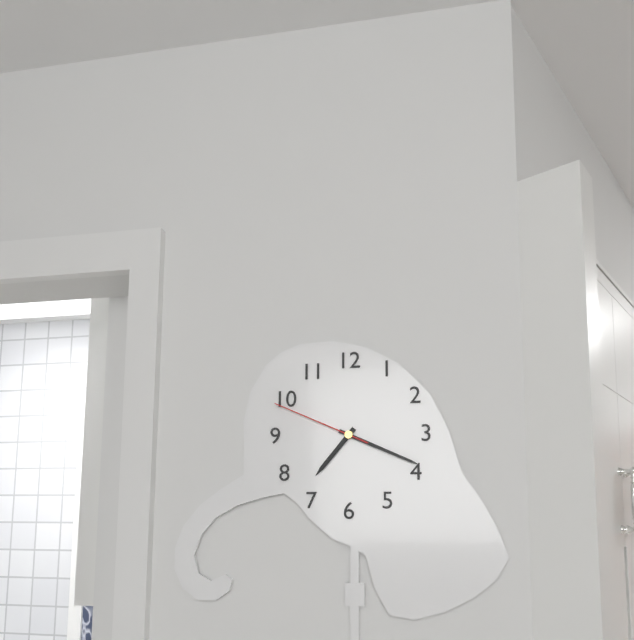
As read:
{"hour": 7, "minute": 19, "second": 49}
